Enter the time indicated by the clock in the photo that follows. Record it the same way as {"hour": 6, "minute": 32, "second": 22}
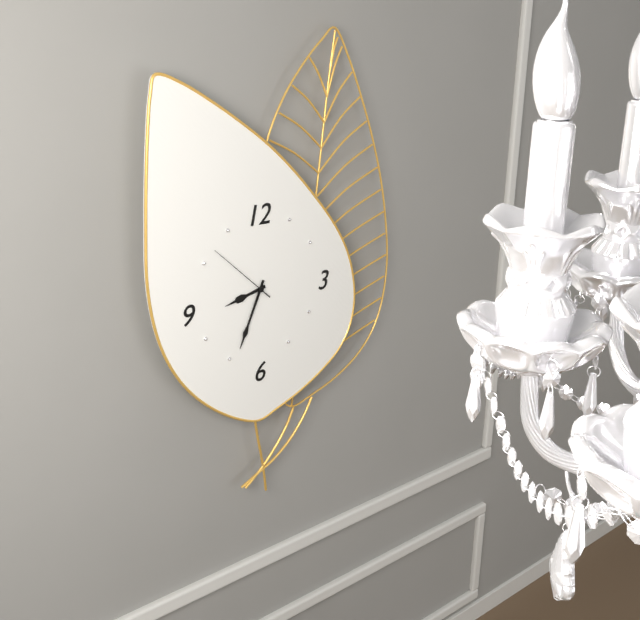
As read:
{"hour": 8, "minute": 34, "second": 52}
